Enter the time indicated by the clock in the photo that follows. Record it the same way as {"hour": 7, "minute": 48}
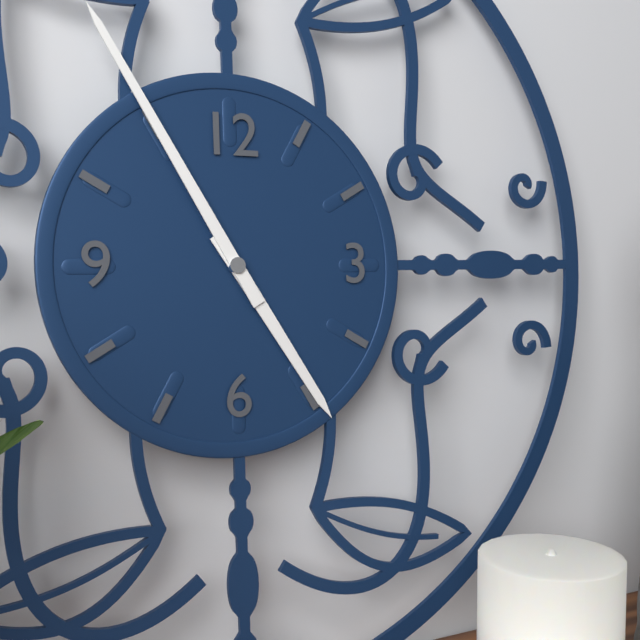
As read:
{"hour": 4, "minute": 55}
